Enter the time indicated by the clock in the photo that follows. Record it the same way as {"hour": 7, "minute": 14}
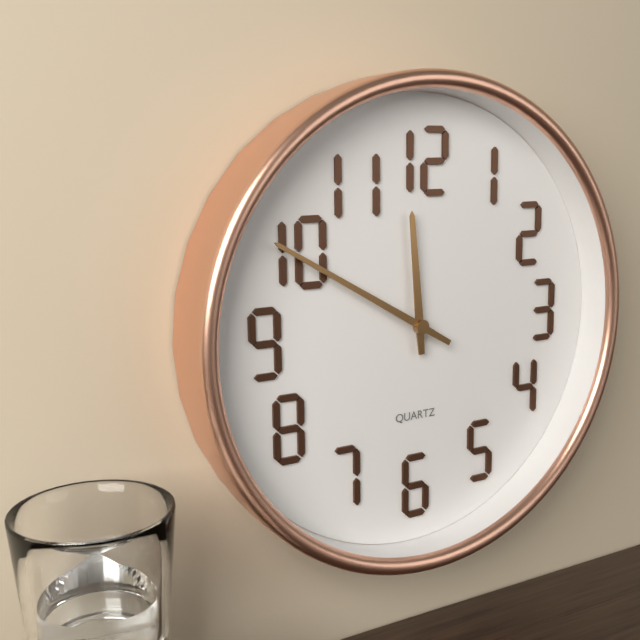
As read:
{"hour": 11, "minute": 50}
